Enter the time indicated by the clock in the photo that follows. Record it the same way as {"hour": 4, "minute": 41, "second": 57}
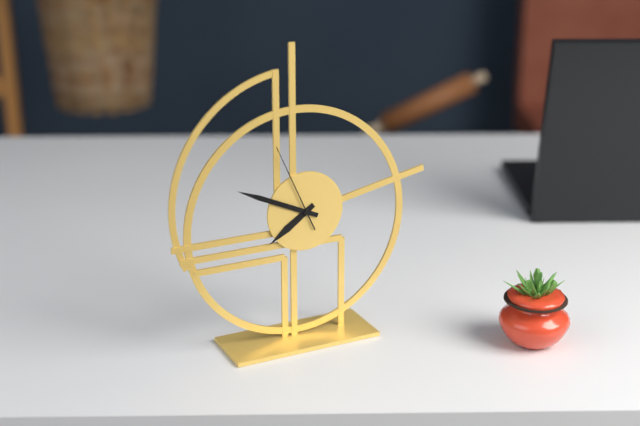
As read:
{"hour": 7, "minute": 49, "second": 56}
